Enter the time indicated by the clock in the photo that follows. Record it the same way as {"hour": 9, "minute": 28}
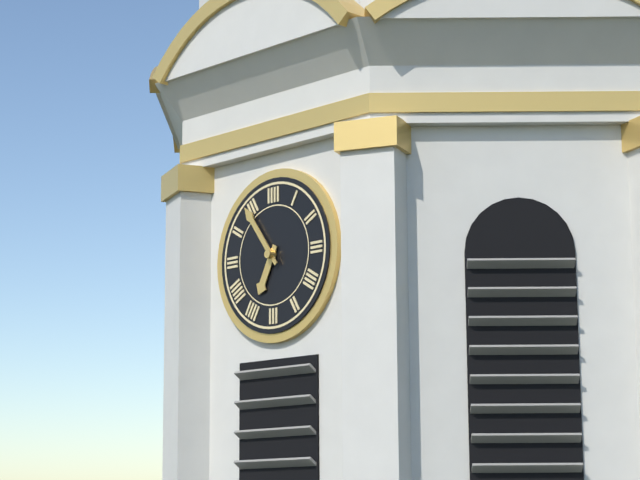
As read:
{"hour": 6, "minute": 54}
